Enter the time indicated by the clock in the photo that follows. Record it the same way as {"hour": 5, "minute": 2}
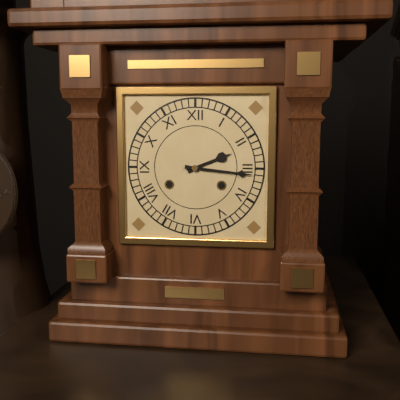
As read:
{"hour": 2, "minute": 16}
